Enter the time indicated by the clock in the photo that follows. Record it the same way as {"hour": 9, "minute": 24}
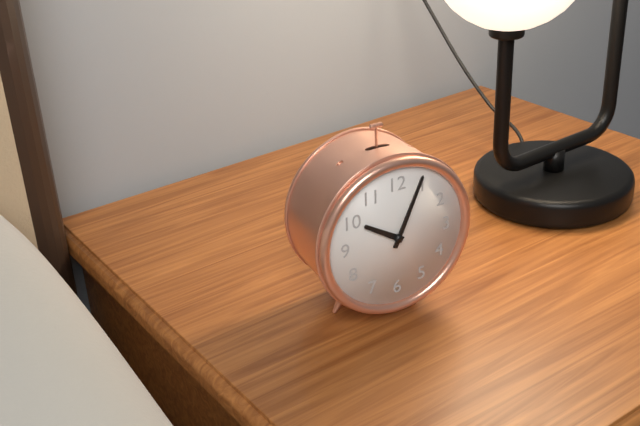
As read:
{"hour": 10, "minute": 4}
